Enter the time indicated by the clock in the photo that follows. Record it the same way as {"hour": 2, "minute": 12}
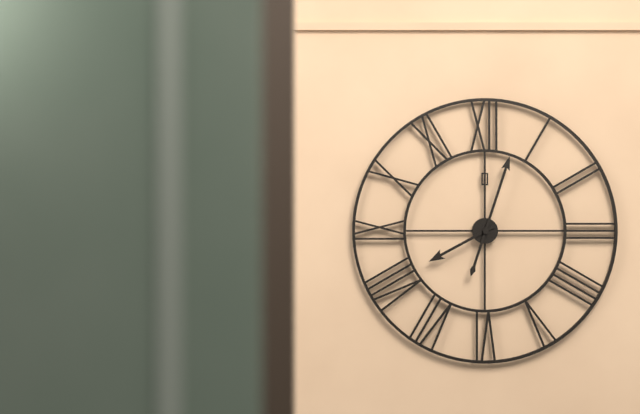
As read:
{"hour": 8, "minute": 3}
